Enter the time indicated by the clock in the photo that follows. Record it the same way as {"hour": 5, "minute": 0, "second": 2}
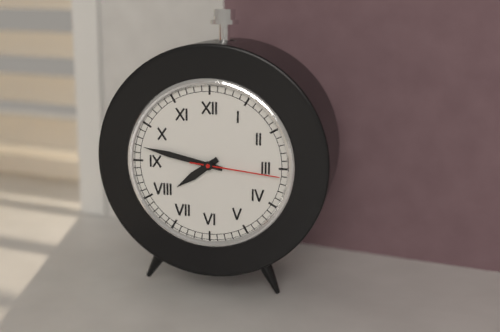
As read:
{"hour": 7, "minute": 47, "second": 16}
